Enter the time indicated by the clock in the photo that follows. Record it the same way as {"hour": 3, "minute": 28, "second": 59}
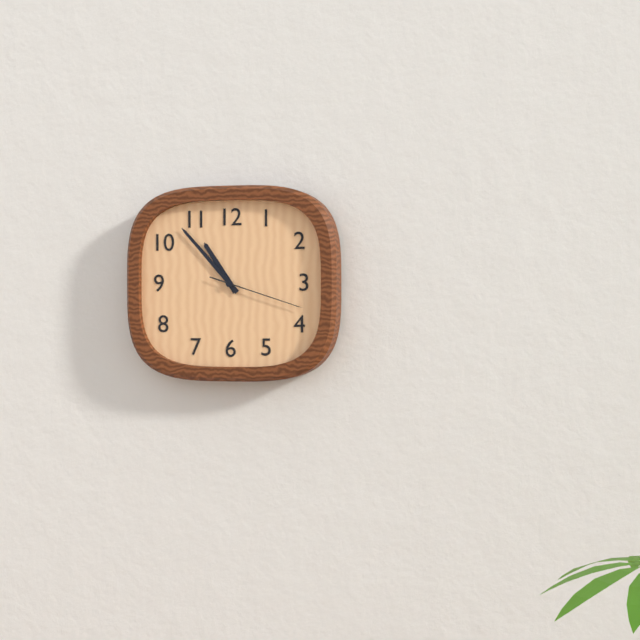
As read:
{"hour": 10, "minute": 53, "second": 18}
